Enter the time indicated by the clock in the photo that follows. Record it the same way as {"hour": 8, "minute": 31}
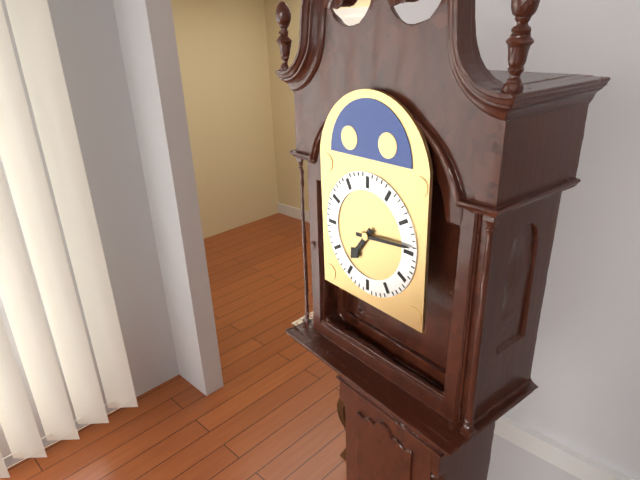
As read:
{"hour": 7, "minute": 14}
